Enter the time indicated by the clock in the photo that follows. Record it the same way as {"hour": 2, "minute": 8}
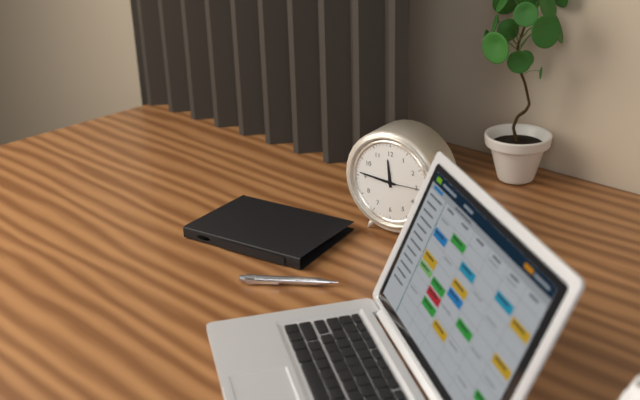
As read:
{"hour": 11, "minute": 46}
